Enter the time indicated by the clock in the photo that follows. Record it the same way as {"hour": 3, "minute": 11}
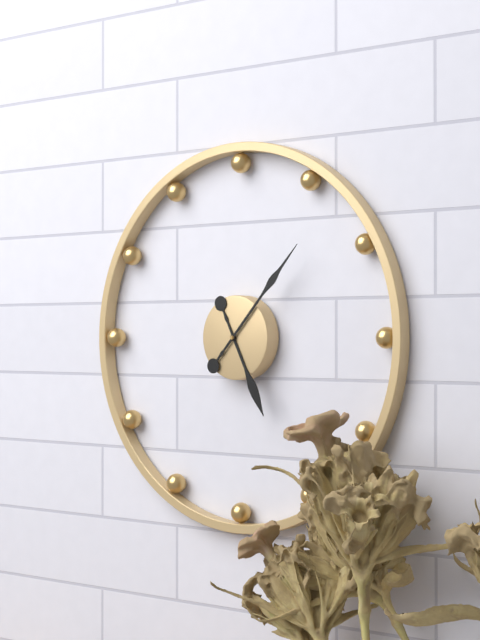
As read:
{"hour": 5, "minute": 7}
